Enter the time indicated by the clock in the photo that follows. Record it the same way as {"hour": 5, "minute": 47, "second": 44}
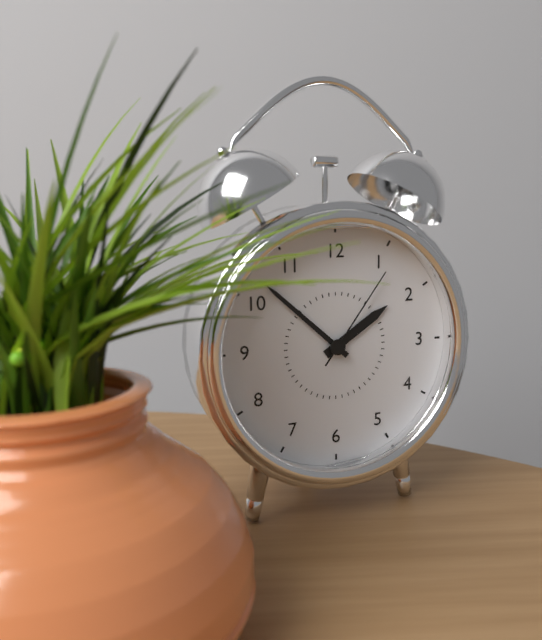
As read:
{"hour": 1, "minute": 52, "second": 6}
